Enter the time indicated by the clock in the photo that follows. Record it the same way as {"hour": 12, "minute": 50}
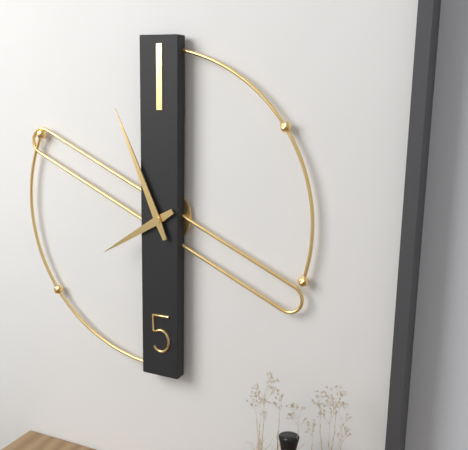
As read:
{"hour": 7, "minute": 56}
